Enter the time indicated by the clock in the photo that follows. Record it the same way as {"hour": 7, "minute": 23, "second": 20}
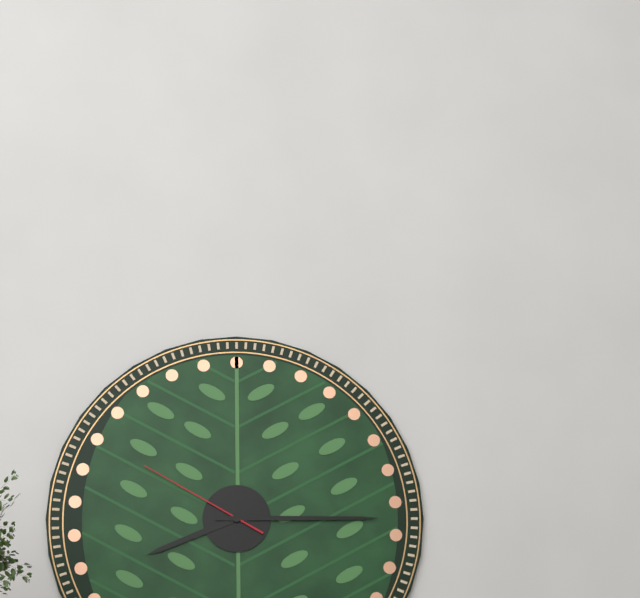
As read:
{"hour": 8, "minute": 15, "second": 50}
